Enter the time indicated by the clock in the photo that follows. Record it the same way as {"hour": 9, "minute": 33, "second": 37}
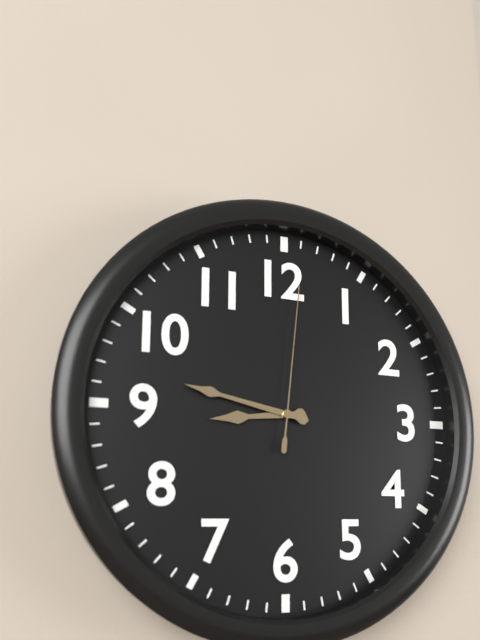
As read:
{"hour": 8, "minute": 47, "second": 1}
